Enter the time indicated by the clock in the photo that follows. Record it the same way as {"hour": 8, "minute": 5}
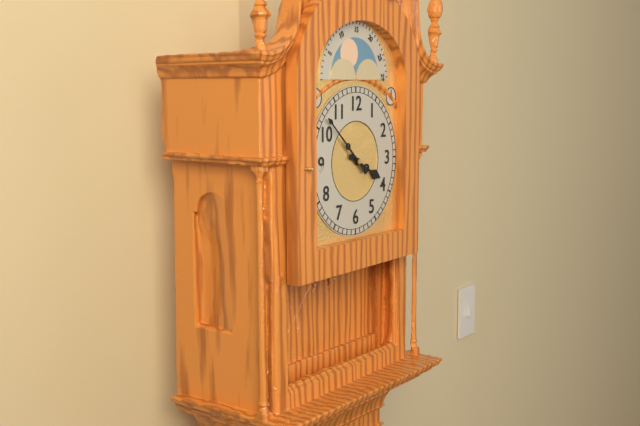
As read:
{"hour": 3, "minute": 52}
